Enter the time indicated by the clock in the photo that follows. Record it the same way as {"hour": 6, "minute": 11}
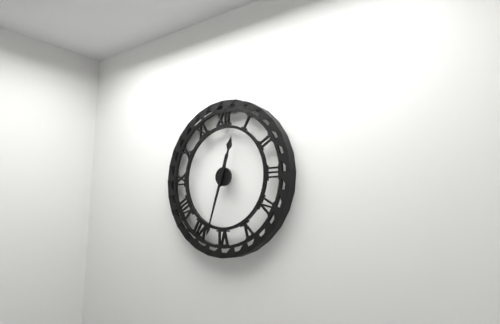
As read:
{"hour": 12, "minute": 33}
